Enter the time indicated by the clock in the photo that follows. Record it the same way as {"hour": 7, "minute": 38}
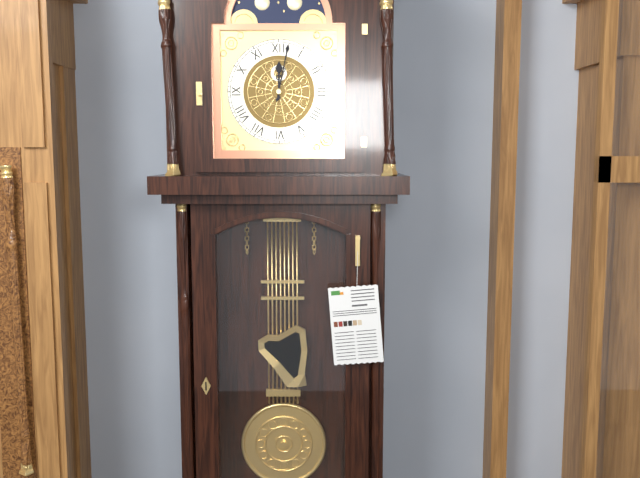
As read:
{"hour": 12, "minute": 2}
